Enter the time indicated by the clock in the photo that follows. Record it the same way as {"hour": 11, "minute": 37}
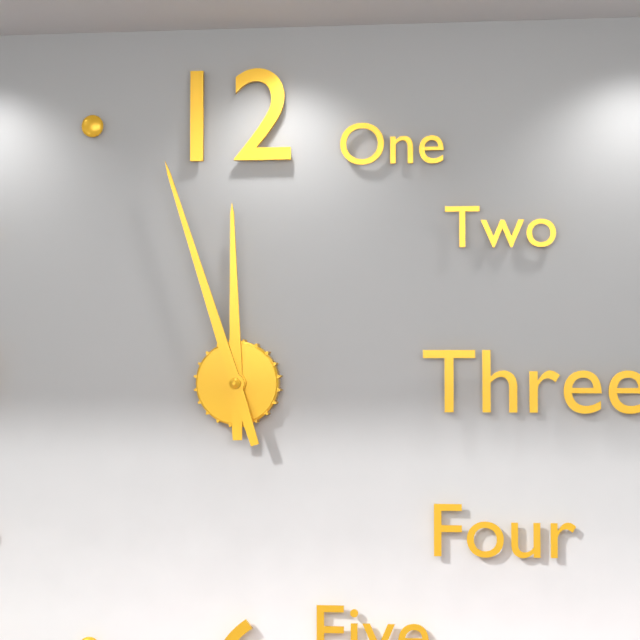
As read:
{"hour": 11, "minute": 57}
